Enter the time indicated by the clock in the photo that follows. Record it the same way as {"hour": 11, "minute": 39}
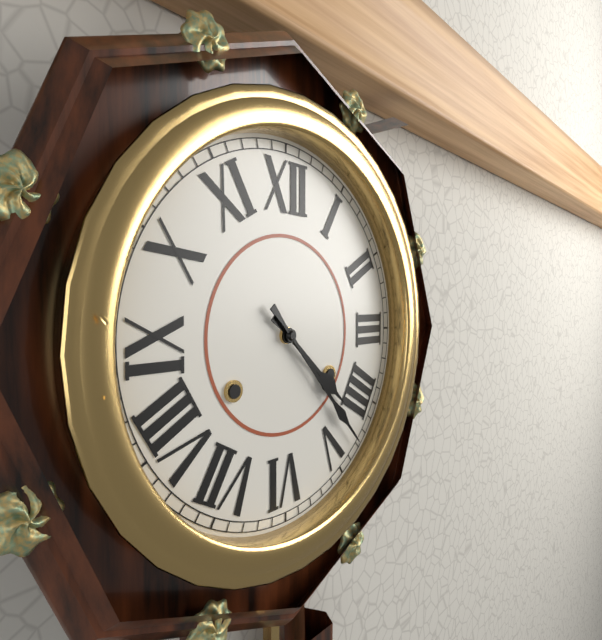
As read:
{"hour": 4, "minute": 23}
